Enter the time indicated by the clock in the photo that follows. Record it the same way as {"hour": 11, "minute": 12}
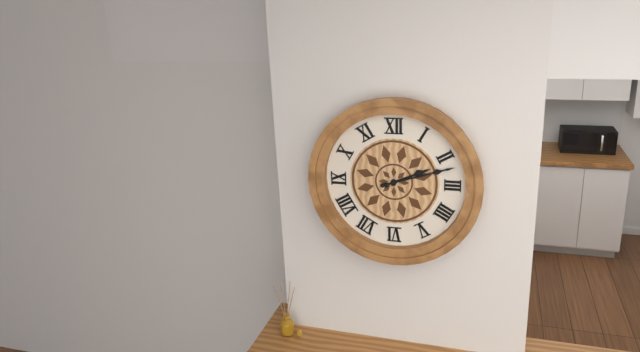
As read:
{"hour": 2, "minute": 12}
